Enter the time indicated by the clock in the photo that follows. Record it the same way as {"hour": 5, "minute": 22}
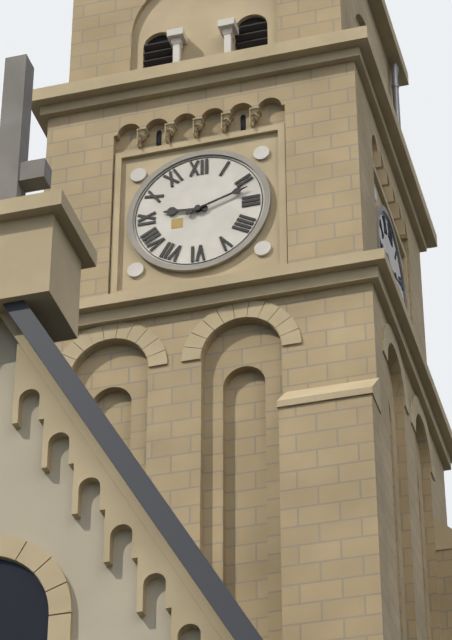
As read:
{"hour": 9, "minute": 12}
